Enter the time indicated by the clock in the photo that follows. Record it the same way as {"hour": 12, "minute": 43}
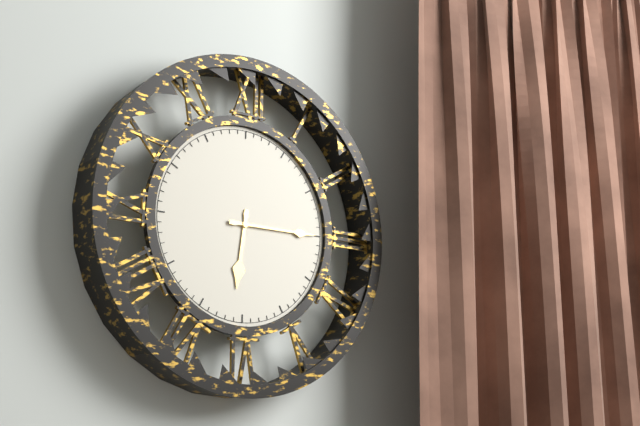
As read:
{"hour": 6, "minute": 15}
